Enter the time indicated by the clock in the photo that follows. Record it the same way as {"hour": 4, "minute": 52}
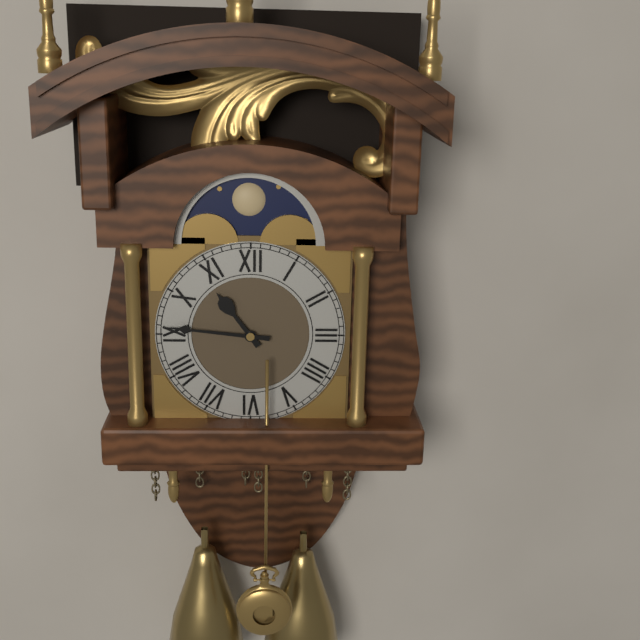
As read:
{"hour": 10, "minute": 46}
